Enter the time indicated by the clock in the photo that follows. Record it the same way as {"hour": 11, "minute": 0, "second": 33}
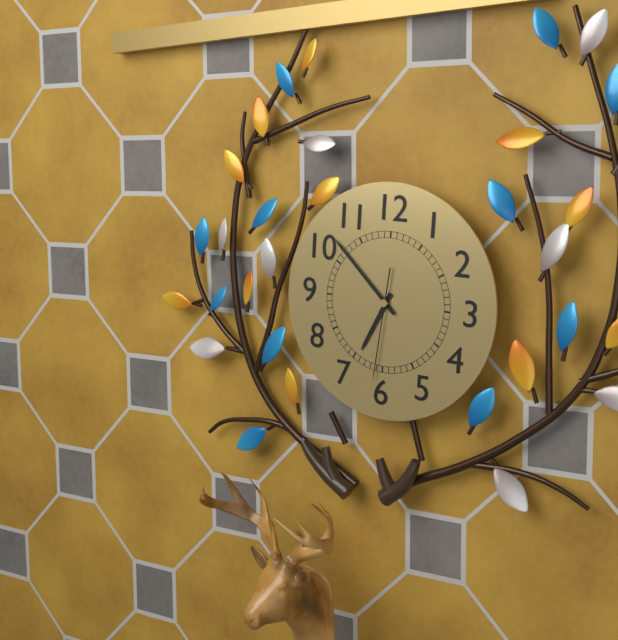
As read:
{"hour": 6, "minute": 52, "second": 31}
